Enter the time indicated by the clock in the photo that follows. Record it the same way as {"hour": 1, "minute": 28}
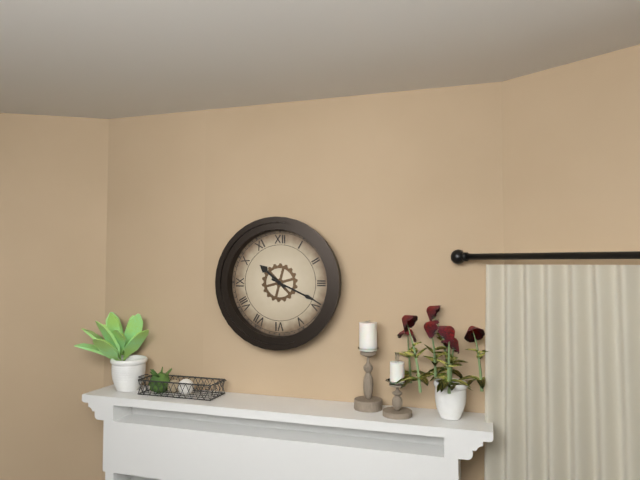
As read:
{"hour": 10, "minute": 19}
